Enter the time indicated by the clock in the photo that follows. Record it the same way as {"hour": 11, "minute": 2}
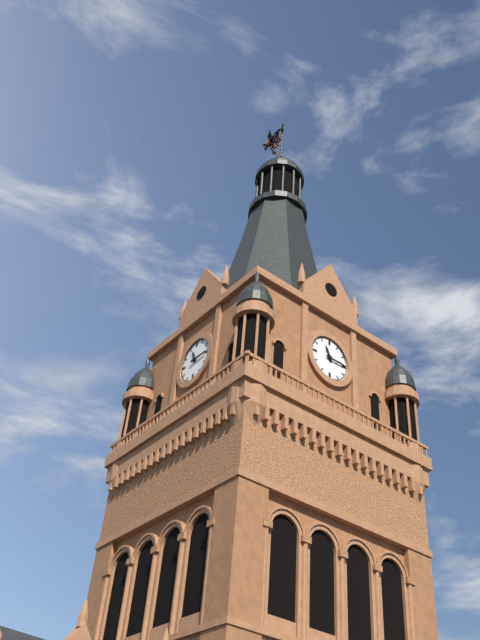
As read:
{"hour": 11, "minute": 15}
